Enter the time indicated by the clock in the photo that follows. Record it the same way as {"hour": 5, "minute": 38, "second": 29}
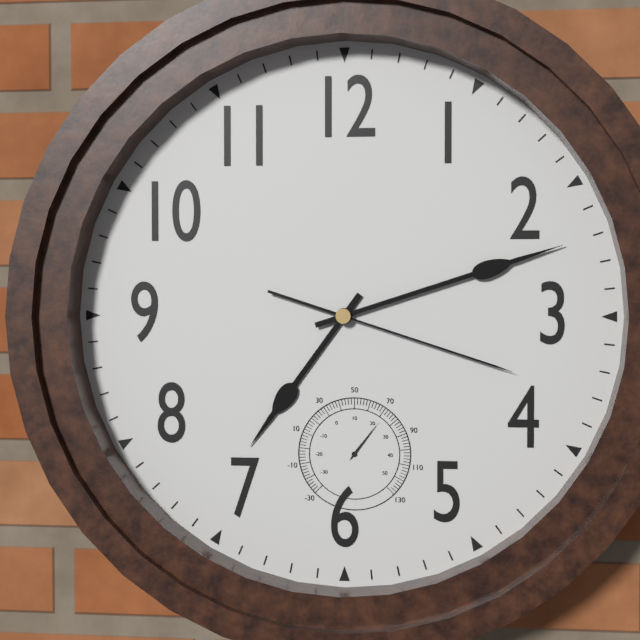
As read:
{"hour": 7, "minute": 12, "second": 18}
